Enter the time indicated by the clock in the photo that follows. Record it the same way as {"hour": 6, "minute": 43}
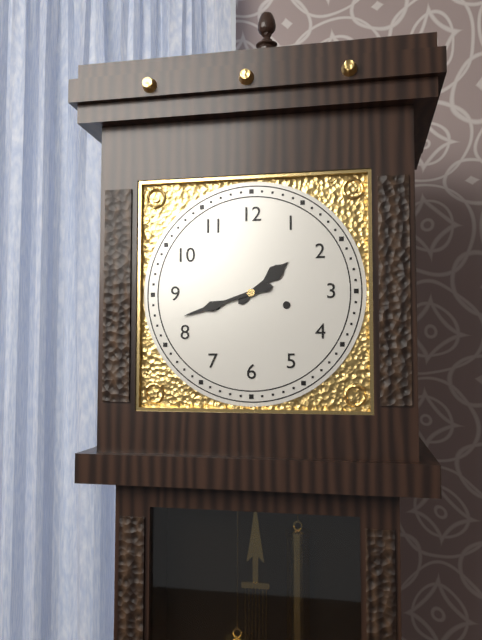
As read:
{"hour": 1, "minute": 42}
